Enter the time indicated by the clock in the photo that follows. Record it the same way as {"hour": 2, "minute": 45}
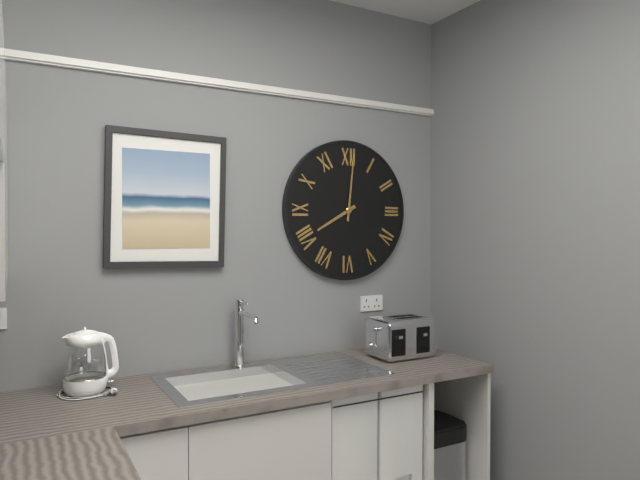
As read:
{"hour": 8, "minute": 1}
